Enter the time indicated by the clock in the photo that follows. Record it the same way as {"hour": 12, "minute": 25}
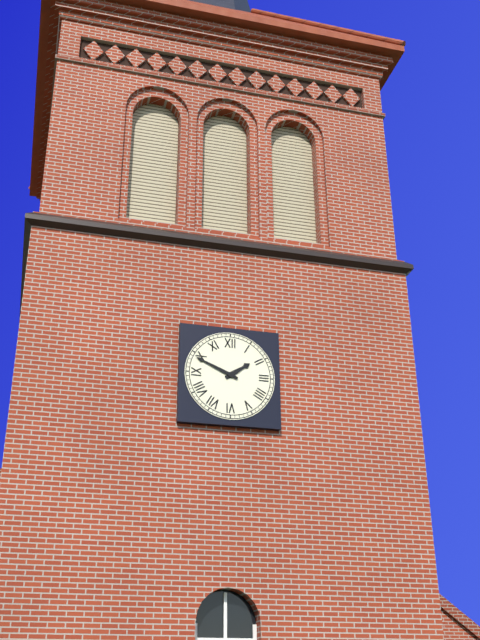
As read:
{"hour": 1, "minute": 49}
